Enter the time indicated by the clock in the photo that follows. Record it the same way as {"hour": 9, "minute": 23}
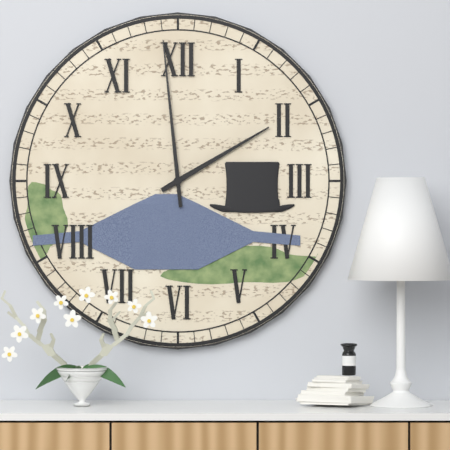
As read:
{"hour": 1, "minute": 59}
